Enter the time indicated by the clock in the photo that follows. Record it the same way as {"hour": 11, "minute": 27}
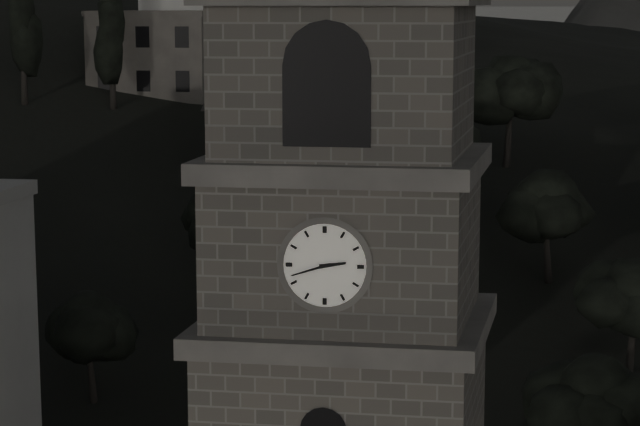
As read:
{"hour": 2, "minute": 42}
